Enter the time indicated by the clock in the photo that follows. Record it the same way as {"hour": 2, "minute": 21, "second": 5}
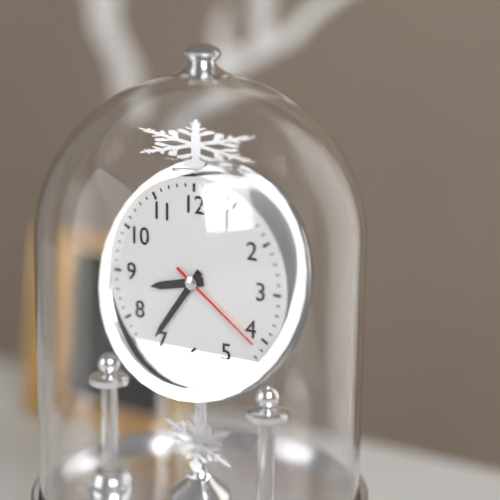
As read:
{"hour": 8, "minute": 36, "second": 21}
